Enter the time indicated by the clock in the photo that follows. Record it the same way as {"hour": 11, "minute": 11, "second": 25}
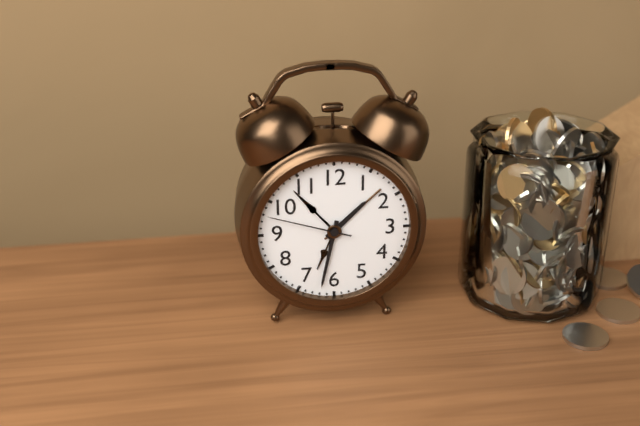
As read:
{"hour": 1, "minute": 32, "second": 48}
